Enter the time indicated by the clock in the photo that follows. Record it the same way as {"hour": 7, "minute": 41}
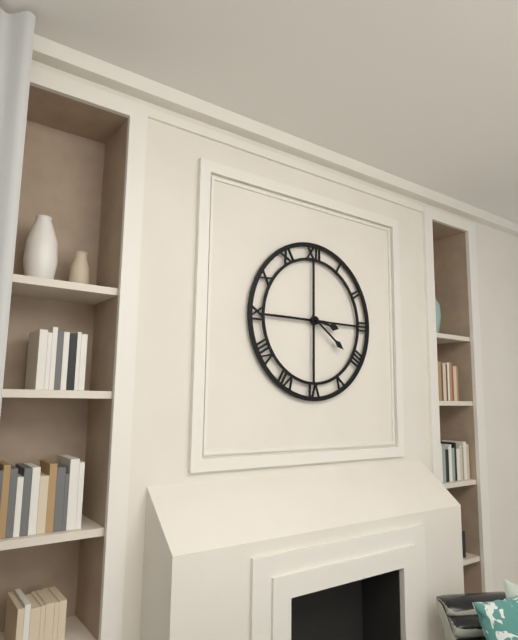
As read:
{"hour": 3, "minute": 21}
